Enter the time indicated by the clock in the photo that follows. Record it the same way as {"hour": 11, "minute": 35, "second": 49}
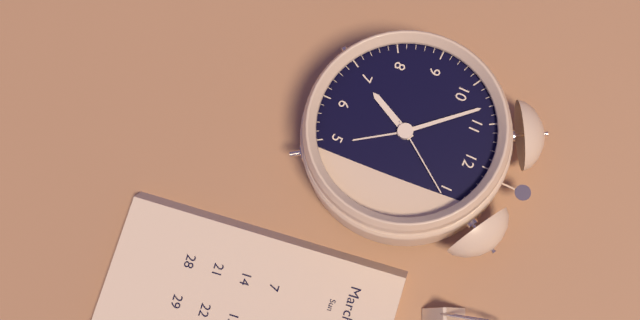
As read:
{"hour": 6, "minute": 53, "second": 6}
